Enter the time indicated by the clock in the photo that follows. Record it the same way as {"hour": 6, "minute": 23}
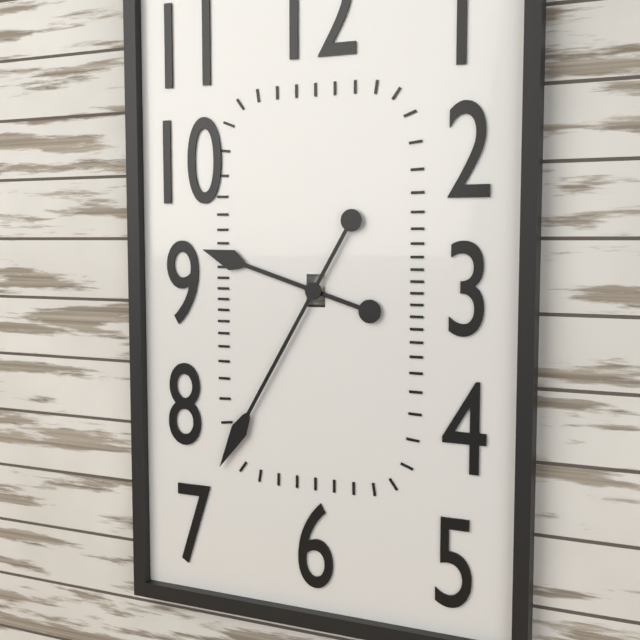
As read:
{"hour": 9, "minute": 35}
